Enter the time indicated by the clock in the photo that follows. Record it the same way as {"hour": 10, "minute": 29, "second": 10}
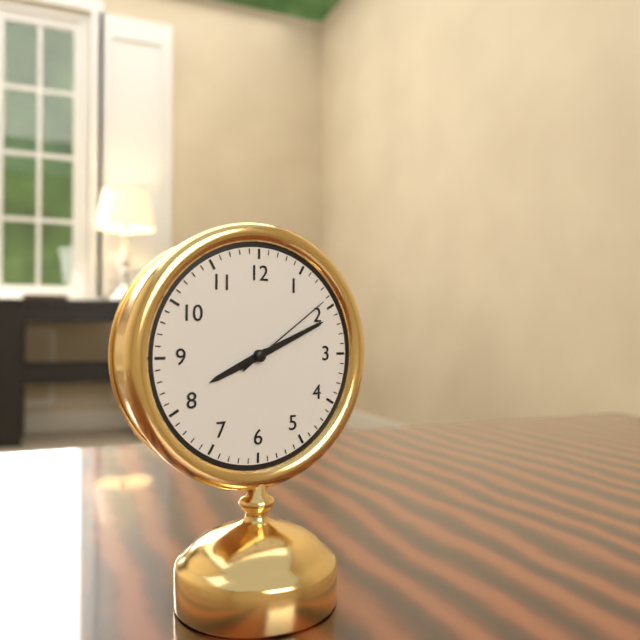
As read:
{"hour": 8, "minute": 11, "second": 9}
